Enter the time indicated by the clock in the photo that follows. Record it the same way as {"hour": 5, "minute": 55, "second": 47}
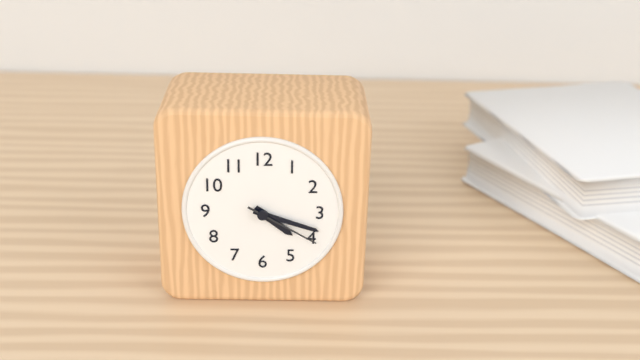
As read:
{"hour": 4, "minute": 18, "second": 20}
